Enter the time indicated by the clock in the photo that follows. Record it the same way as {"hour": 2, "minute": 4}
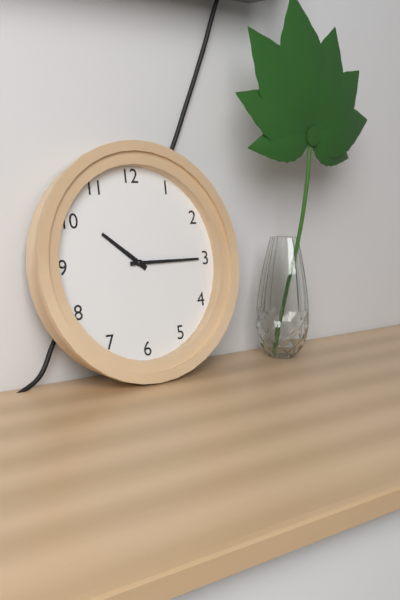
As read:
{"hour": 10, "minute": 15}
